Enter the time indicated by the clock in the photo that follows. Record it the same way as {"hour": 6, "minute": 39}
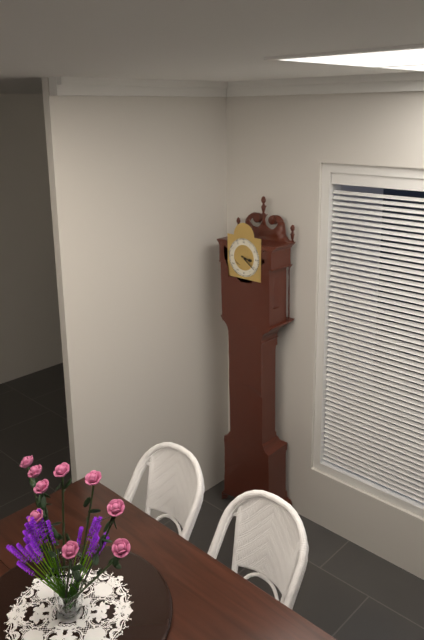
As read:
{"hour": 3, "minute": 21}
